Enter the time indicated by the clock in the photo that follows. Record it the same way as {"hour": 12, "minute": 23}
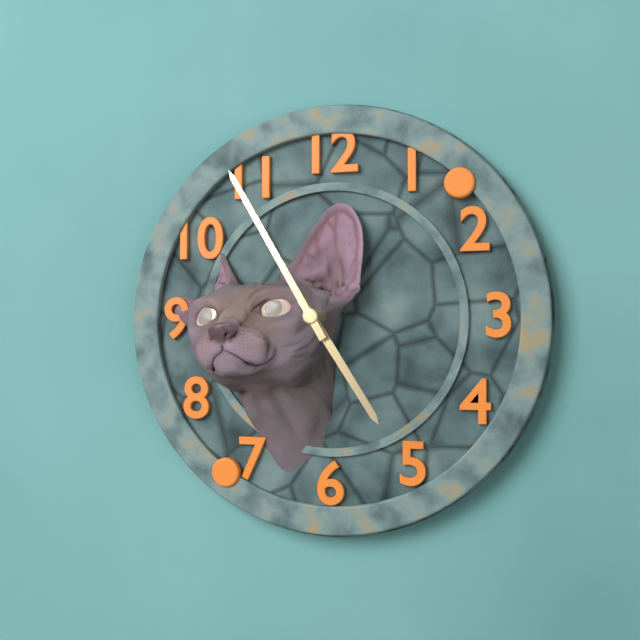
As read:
{"hour": 4, "minute": 55}
